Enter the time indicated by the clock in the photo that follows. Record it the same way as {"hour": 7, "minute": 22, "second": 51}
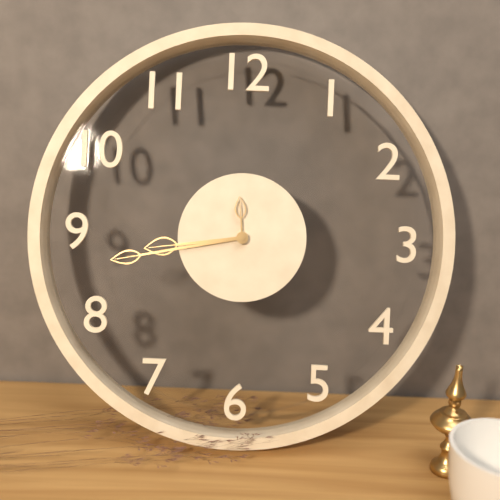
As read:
{"hour": 8, "minute": 43, "second": 59}
